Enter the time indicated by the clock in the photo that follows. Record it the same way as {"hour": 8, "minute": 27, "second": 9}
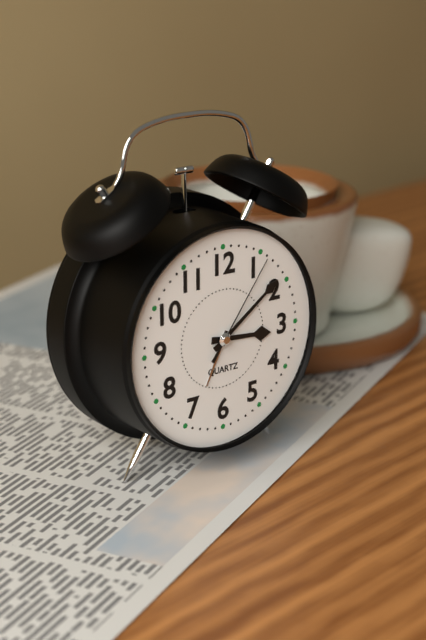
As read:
{"hour": 3, "minute": 9, "second": 6}
